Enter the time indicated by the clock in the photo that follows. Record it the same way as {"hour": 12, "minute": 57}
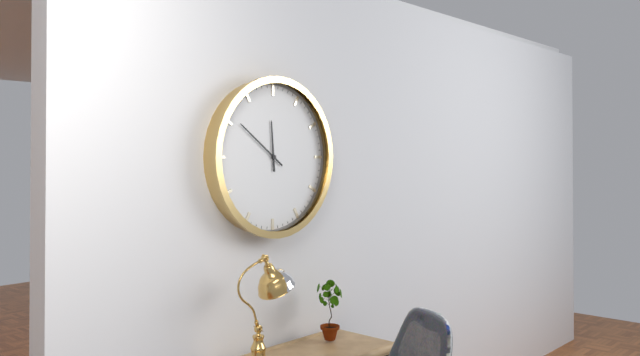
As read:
{"hour": 11, "minute": 51}
